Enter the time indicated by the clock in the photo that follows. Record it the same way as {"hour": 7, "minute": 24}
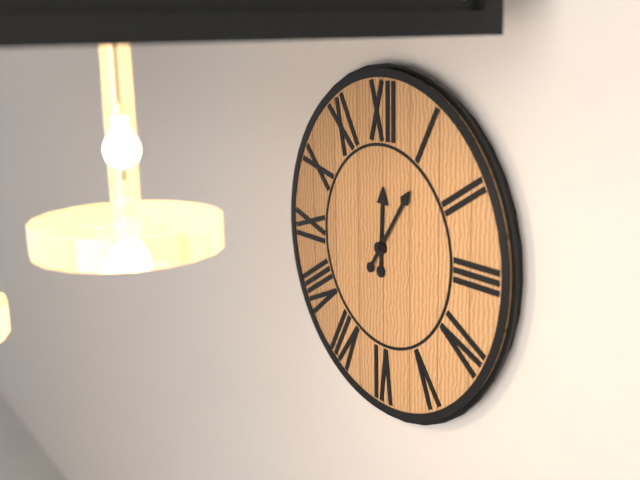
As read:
{"hour": 12, "minute": 6}
